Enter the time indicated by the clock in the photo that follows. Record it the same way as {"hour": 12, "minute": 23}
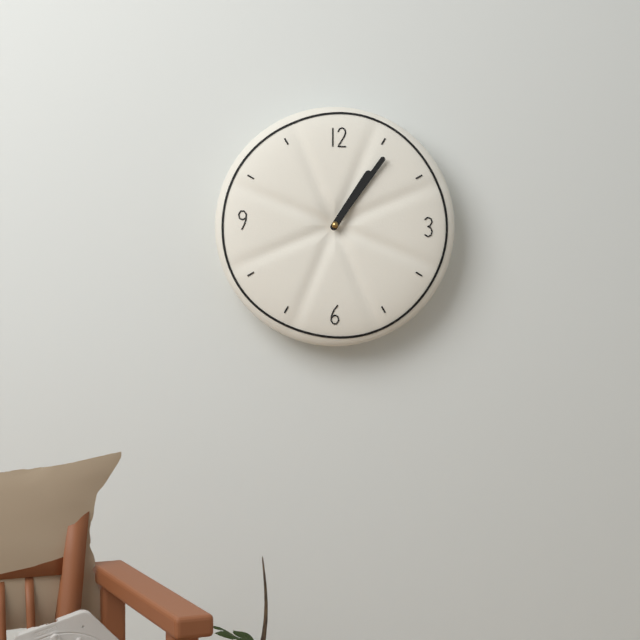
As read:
{"hour": 1, "minute": 6}
